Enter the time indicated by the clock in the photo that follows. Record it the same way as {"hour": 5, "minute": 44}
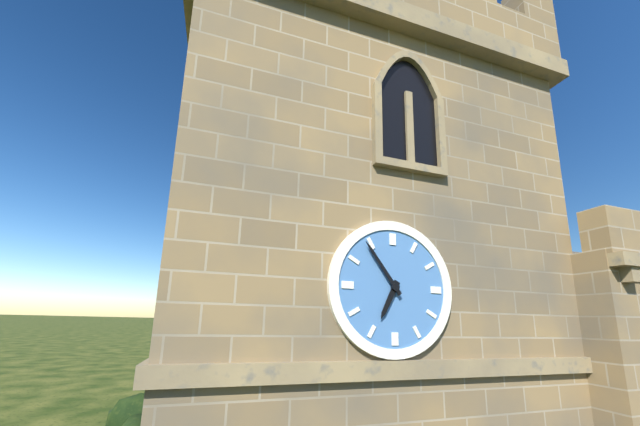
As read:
{"hour": 6, "minute": 54}
